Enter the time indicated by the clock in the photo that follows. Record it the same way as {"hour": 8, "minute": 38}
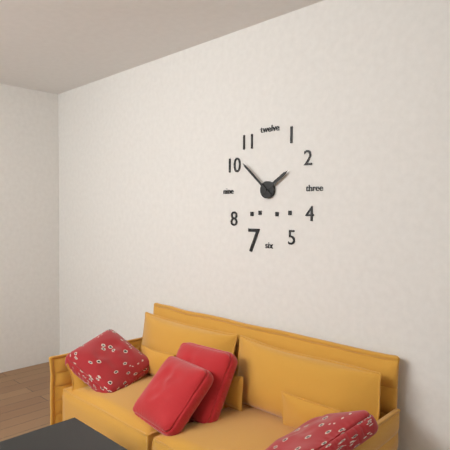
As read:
{"hour": 1, "minute": 52}
